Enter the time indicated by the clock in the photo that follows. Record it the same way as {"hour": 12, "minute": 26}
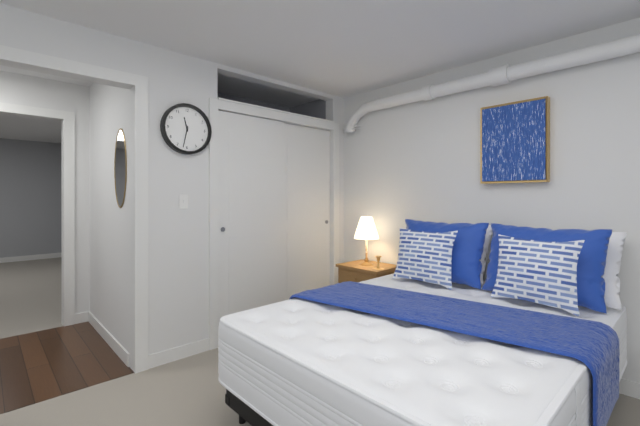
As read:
{"hour": 11, "minute": 32}
